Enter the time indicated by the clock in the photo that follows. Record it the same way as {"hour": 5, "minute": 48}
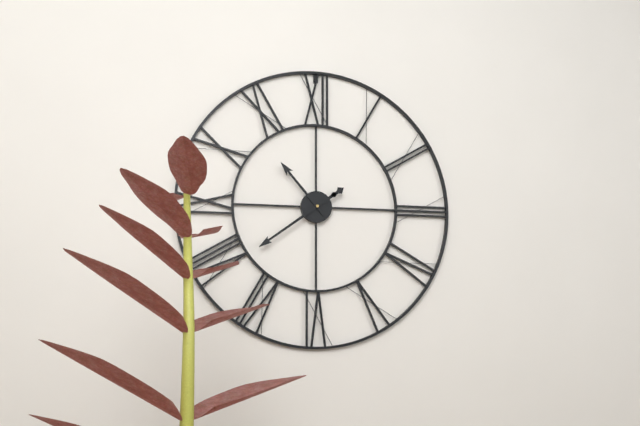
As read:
{"hour": 10, "minute": 39}
